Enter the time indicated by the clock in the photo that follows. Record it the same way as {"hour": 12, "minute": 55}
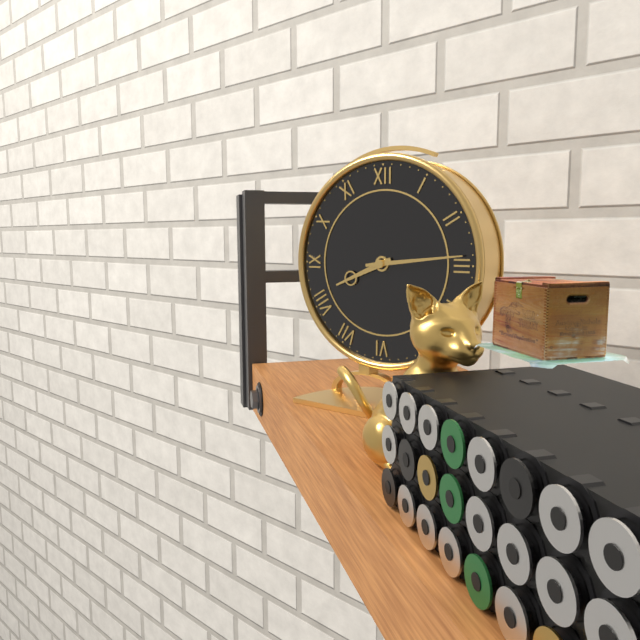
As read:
{"hour": 8, "minute": 14}
